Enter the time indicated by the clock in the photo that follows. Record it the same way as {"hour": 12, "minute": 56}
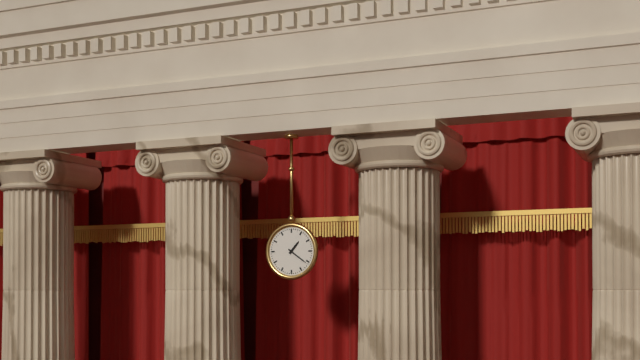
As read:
{"hour": 1, "minute": 21}
